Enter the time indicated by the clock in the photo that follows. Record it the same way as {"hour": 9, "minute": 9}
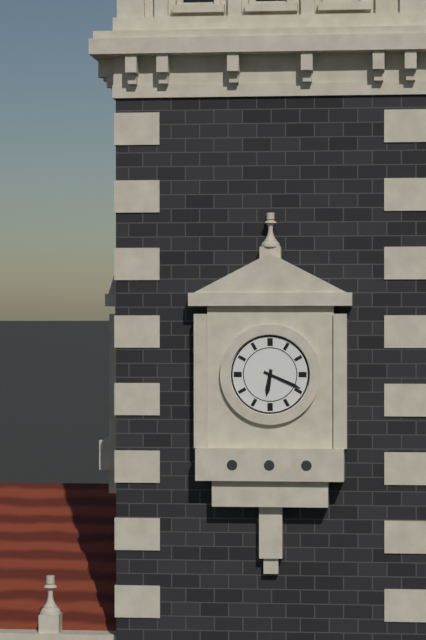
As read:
{"hour": 6, "minute": 19}
